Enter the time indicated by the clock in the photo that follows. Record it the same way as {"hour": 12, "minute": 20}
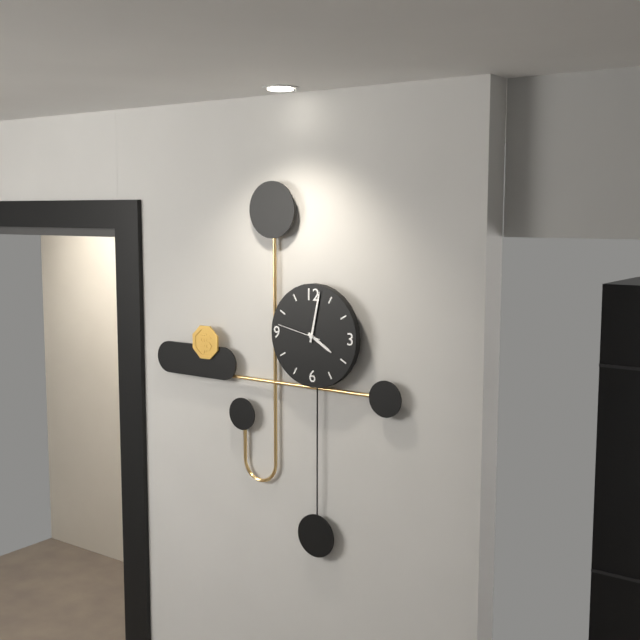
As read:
{"hour": 4, "minute": 2}
